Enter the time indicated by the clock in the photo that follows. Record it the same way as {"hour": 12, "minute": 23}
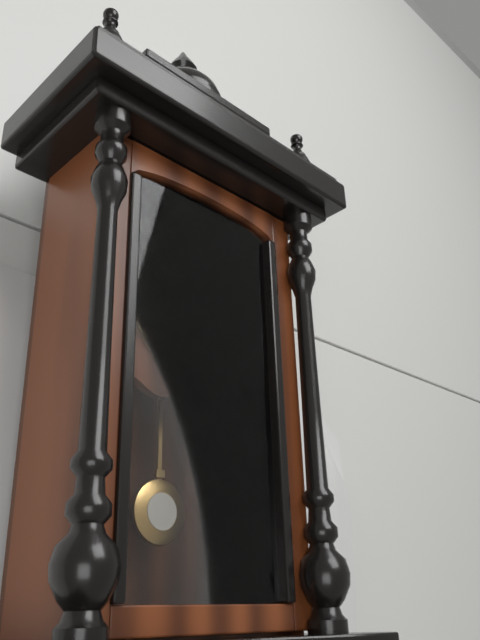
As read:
{"hour": 11, "minute": 32}
